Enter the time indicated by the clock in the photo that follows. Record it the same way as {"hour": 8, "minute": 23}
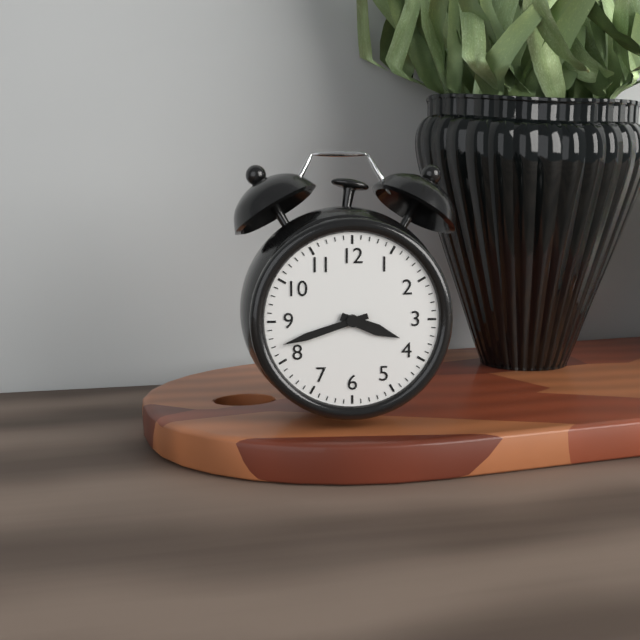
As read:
{"hour": 3, "minute": 42}
